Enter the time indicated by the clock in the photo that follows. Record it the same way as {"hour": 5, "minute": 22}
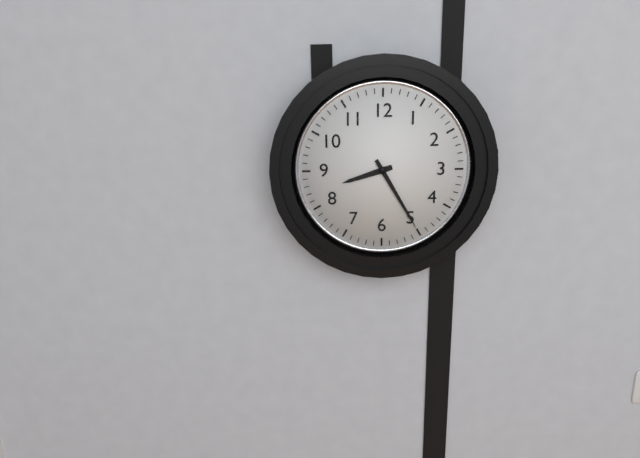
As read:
{"hour": 8, "minute": 25}
